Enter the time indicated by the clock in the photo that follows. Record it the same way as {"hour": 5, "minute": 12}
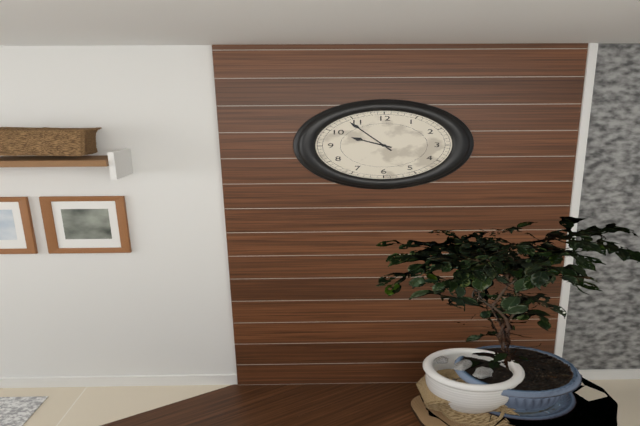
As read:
{"hour": 9, "minute": 54}
